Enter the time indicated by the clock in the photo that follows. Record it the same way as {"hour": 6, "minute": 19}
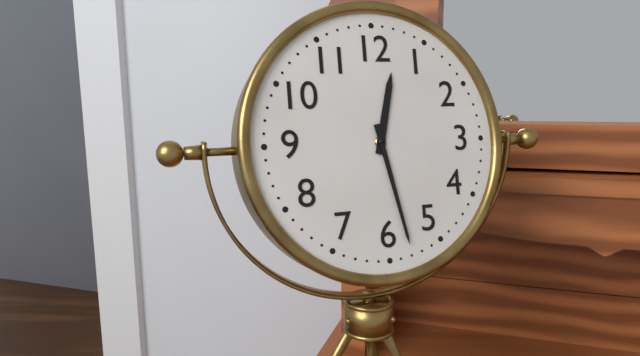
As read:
{"hour": 12, "minute": 28}
